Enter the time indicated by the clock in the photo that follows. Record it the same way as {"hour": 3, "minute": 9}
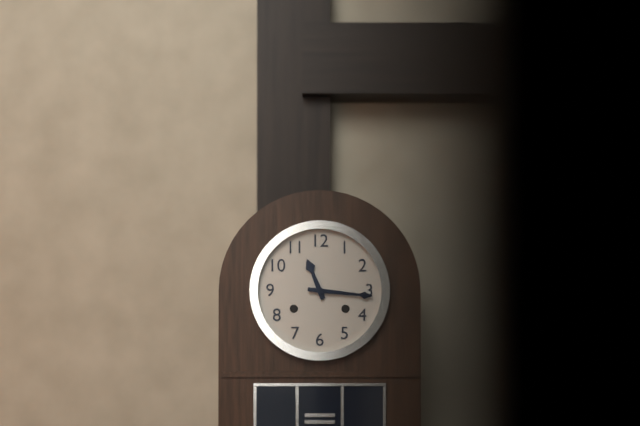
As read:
{"hour": 11, "minute": 16}
